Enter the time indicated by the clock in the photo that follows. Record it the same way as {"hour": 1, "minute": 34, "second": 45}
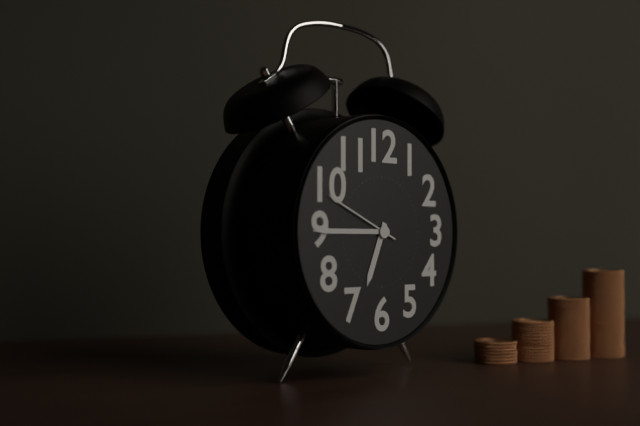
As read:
{"hour": 6, "minute": 45, "second": 49}
